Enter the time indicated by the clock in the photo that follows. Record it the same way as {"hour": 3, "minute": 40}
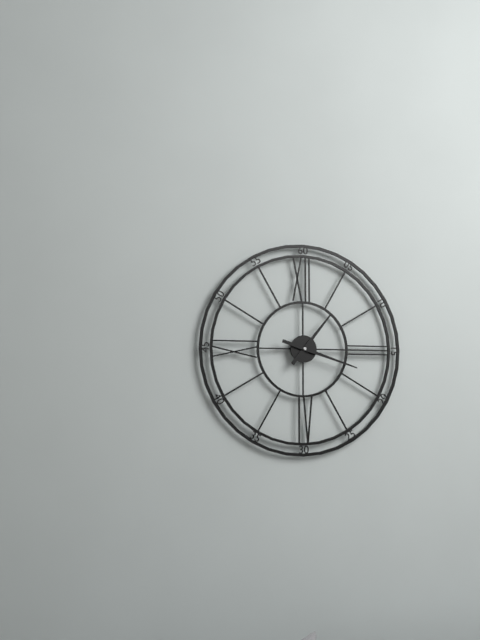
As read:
{"hour": 1, "minute": 18}
